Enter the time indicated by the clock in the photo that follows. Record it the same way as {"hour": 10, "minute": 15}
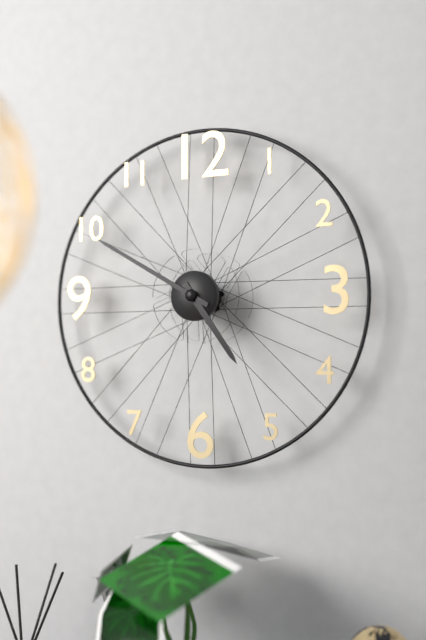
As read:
{"hour": 4, "minute": 50}
